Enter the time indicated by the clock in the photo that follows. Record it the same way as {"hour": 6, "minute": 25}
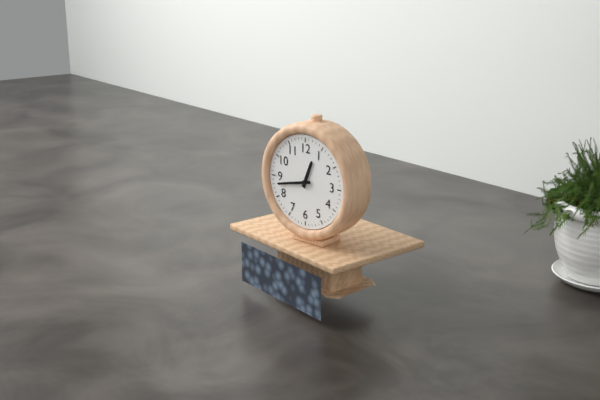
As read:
{"hour": 12, "minute": 43}
